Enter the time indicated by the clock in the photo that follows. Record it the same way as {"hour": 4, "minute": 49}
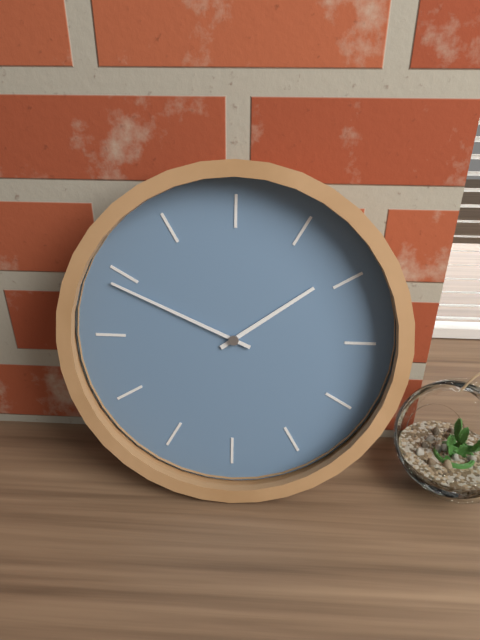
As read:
{"hour": 1, "minute": 49}
